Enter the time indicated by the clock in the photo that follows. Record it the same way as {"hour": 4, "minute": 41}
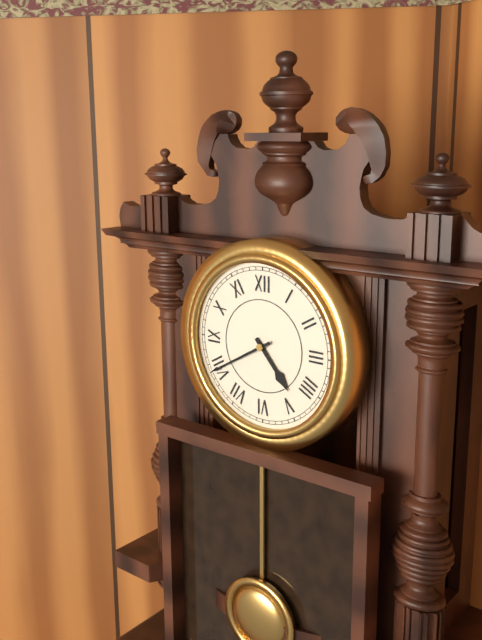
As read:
{"hour": 4, "minute": 40}
